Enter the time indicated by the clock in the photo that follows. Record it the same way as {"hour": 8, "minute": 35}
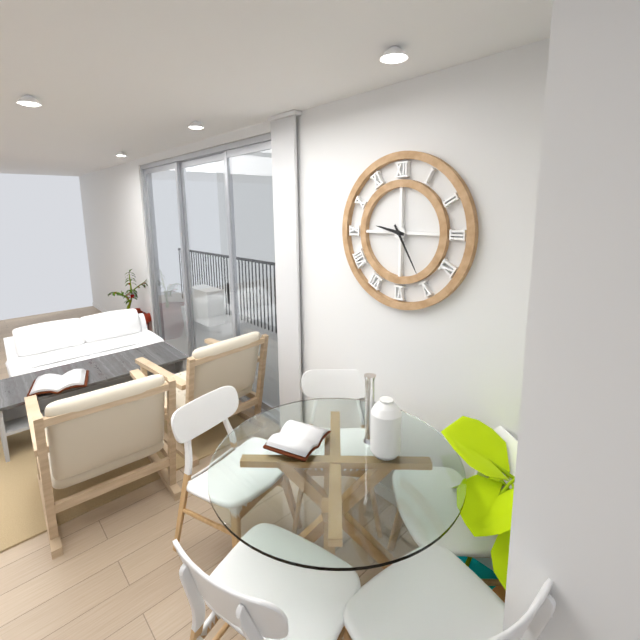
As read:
{"hour": 9, "minute": 25}
